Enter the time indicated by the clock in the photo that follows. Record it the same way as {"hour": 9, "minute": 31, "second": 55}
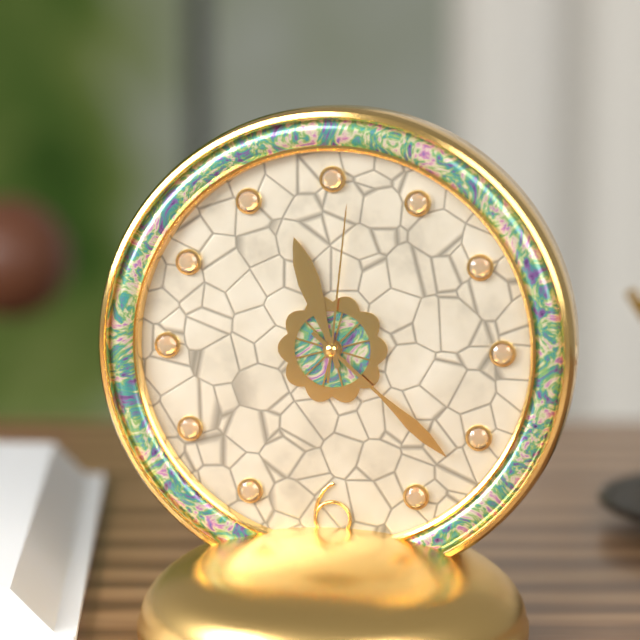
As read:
{"hour": 11, "minute": 22, "second": 1}
